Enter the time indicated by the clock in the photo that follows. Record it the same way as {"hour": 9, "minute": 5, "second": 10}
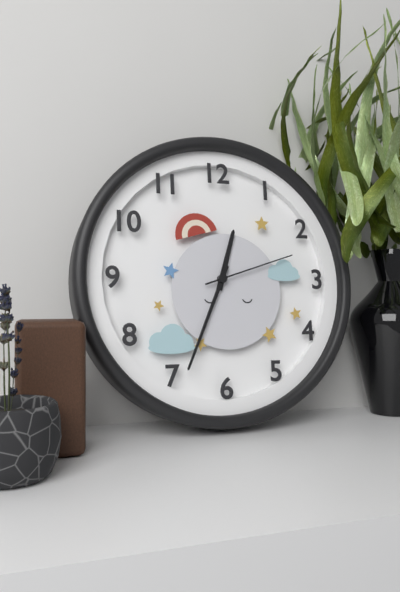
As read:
{"hour": 12, "minute": 34, "second": 12}
